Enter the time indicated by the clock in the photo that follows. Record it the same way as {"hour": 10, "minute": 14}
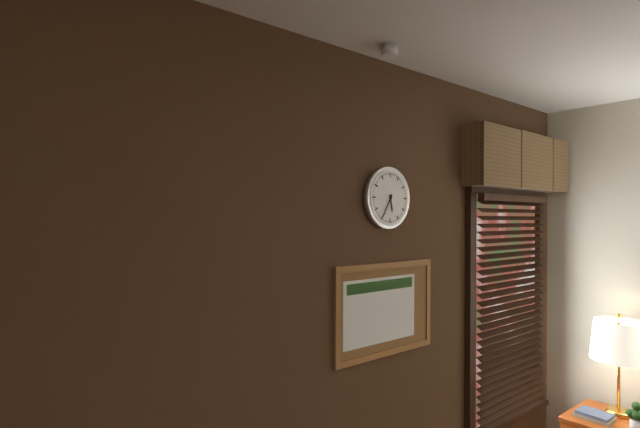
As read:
{"hour": 5, "minute": 35}
